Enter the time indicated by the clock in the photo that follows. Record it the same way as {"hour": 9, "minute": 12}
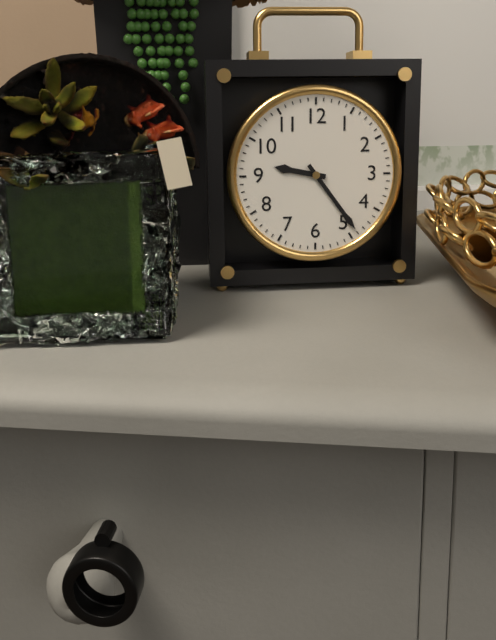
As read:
{"hour": 9, "minute": 24}
